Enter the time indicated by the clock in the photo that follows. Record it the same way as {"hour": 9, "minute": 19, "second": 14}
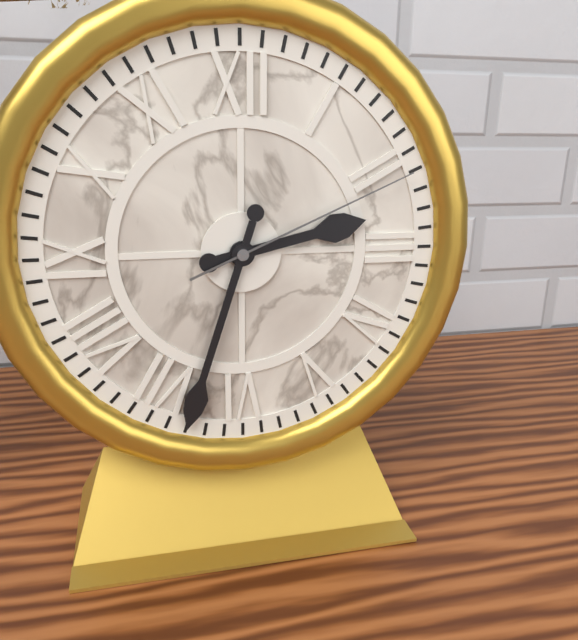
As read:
{"hour": 2, "minute": 33, "second": 11}
